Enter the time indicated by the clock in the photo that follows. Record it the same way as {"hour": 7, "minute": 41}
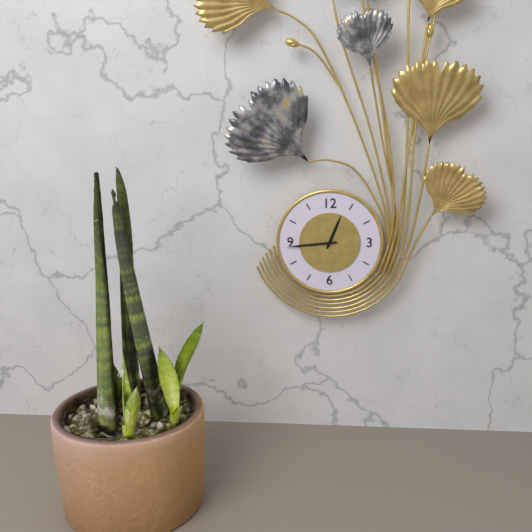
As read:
{"hour": 12, "minute": 44}
